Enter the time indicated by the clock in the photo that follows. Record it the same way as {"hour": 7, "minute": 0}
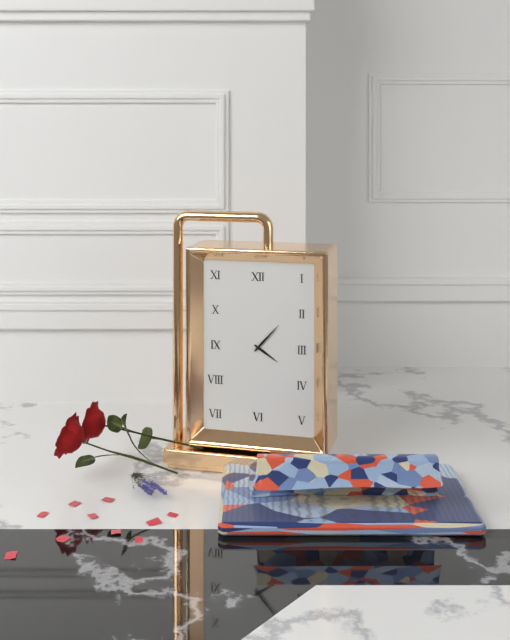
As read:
{"hour": 4, "minute": 7}
